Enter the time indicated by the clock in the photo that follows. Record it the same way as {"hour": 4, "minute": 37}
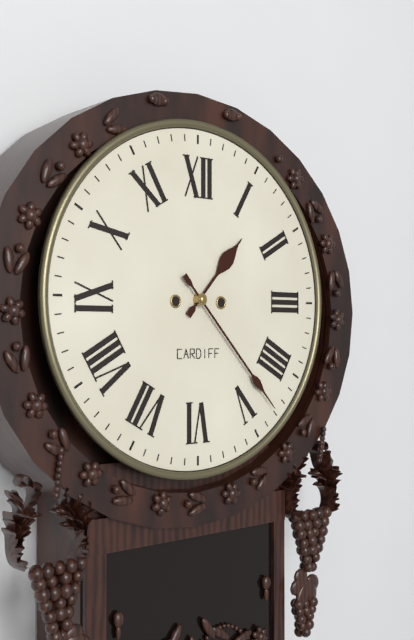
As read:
{"hour": 1, "minute": 23}
